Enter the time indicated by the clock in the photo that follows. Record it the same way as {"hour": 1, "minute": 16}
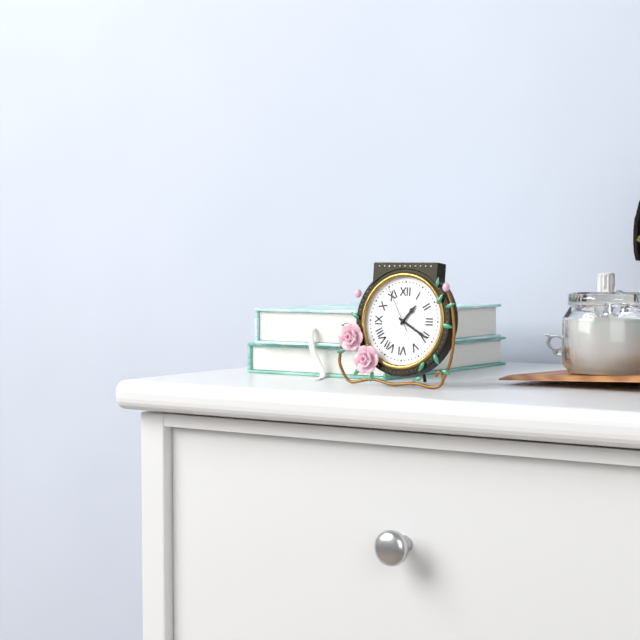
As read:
{"hour": 1, "minute": 20}
